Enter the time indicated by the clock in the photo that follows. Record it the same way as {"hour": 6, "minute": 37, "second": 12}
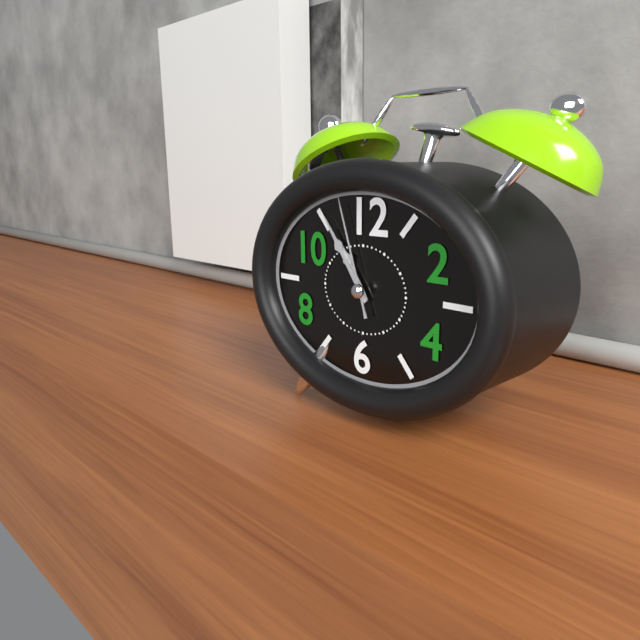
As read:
{"hour": 10, "minute": 54, "second": 57}
